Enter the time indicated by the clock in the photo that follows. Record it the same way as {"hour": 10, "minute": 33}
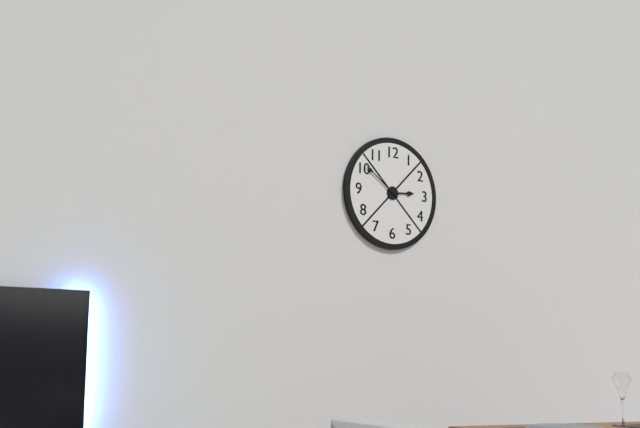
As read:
{"hour": 2, "minute": 51}
